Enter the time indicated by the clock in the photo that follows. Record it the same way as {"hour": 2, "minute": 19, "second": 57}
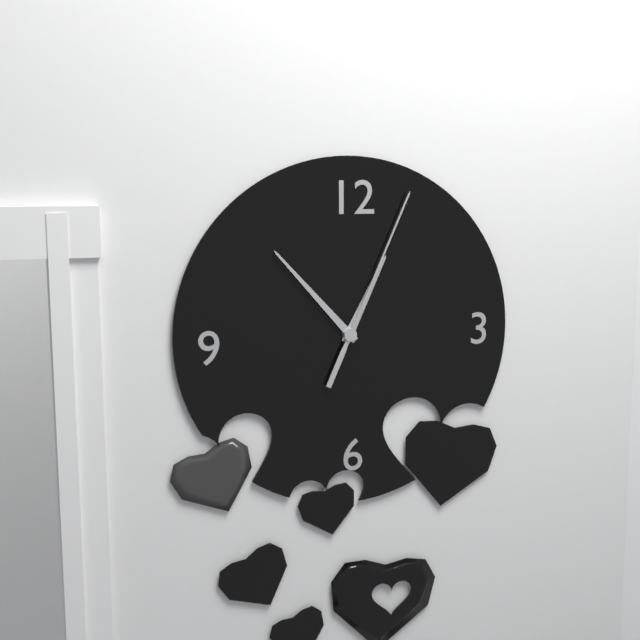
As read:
{"hour": 12, "minute": 53, "second": 4}
